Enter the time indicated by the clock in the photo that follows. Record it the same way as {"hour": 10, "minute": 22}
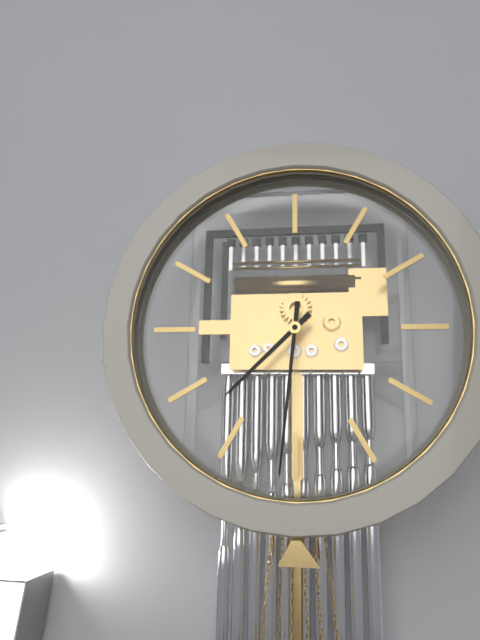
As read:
{"hour": 7, "minute": 31}
